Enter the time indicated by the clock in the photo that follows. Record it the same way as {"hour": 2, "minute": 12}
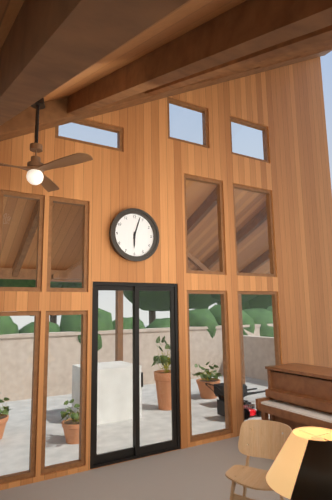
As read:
{"hour": 6, "minute": 3}
